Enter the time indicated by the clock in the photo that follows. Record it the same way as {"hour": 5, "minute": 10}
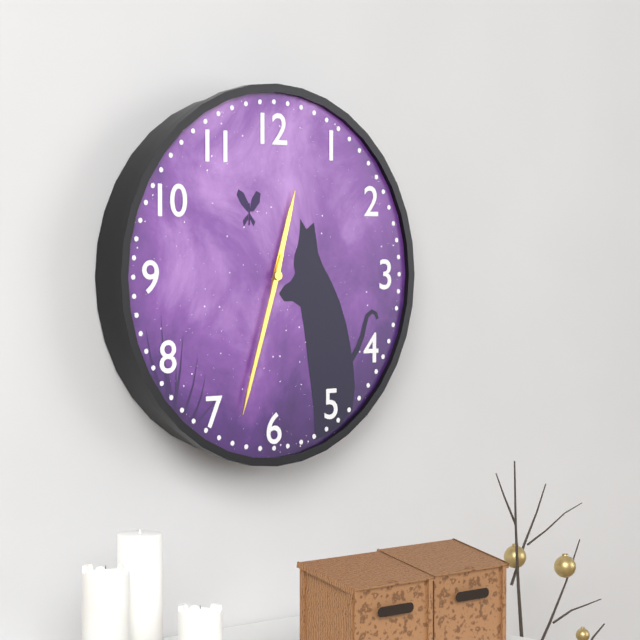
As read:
{"hour": 12, "minute": 33}
